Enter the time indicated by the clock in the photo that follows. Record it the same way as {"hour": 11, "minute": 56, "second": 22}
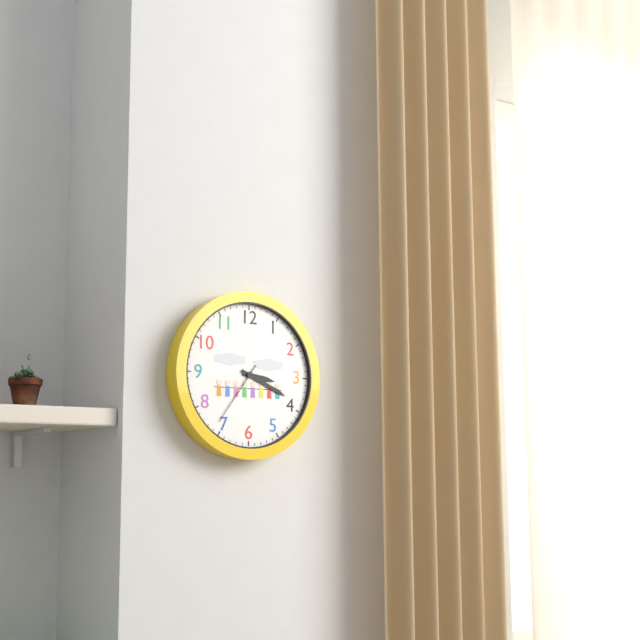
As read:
{"hour": 3, "minute": 19, "second": 36}
